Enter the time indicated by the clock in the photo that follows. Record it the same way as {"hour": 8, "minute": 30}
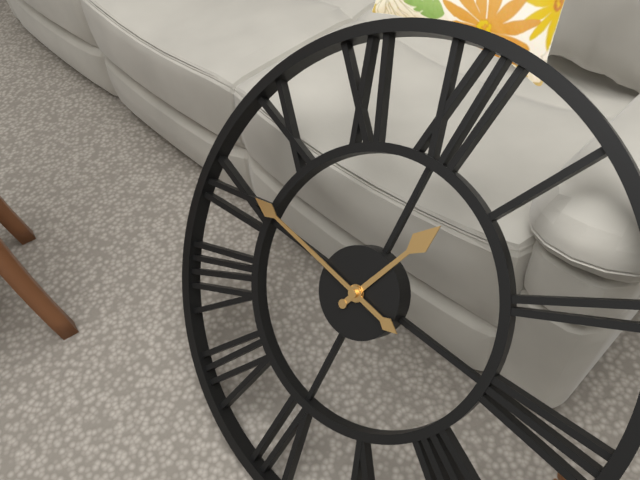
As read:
{"hour": 12, "minute": 46}
